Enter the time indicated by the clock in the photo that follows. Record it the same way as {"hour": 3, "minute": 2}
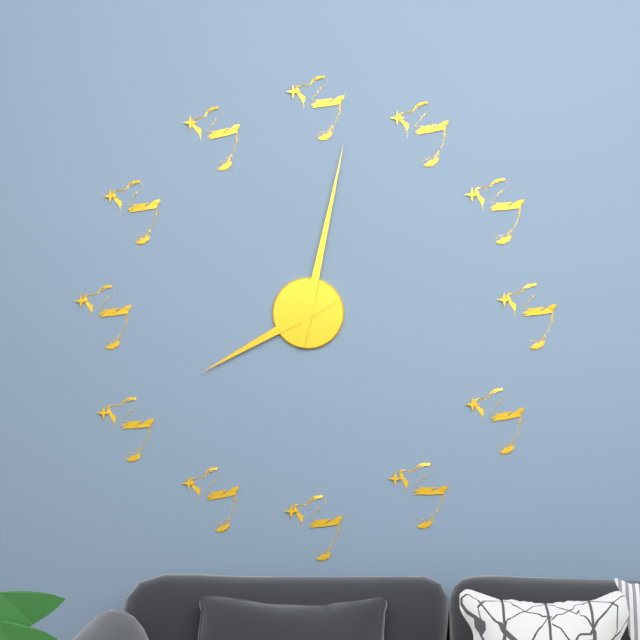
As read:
{"hour": 8, "minute": 2}
